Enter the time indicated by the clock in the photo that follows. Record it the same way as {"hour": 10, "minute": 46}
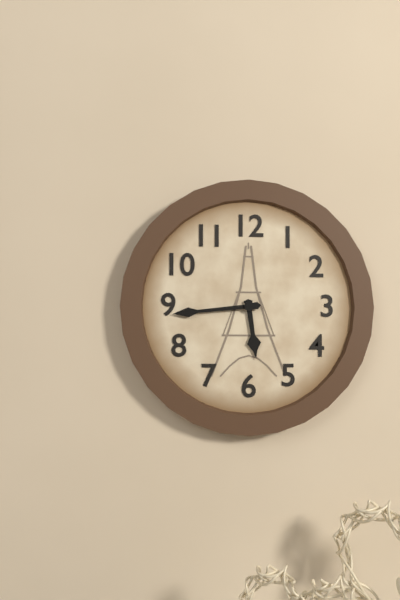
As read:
{"hour": 5, "minute": 44}
